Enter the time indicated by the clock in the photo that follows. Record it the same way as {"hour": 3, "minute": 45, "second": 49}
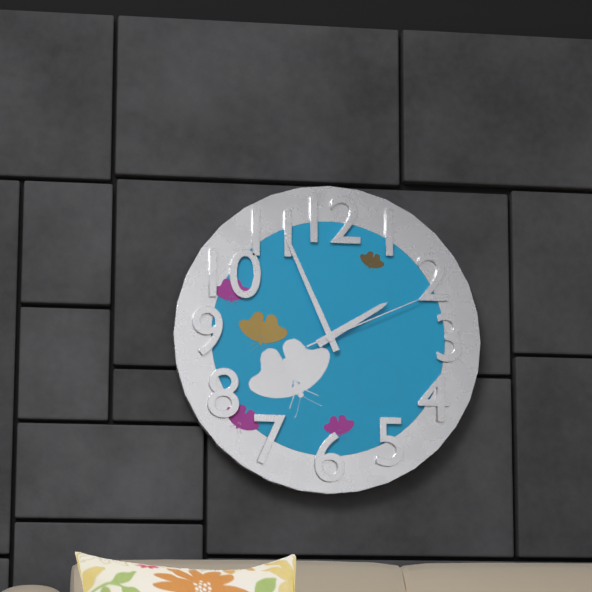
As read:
{"hour": 1, "minute": 56, "second": 11}
